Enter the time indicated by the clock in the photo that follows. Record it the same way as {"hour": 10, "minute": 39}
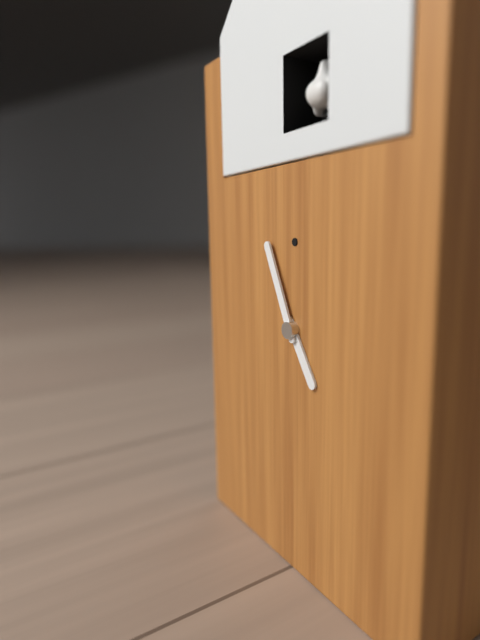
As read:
{"hour": 4, "minute": 56}
